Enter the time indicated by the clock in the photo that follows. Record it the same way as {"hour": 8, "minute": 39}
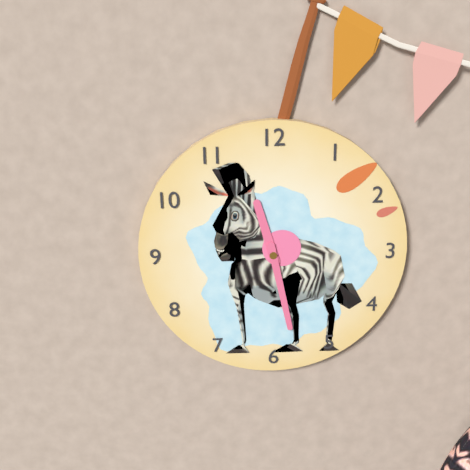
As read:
{"hour": 11, "minute": 28}
